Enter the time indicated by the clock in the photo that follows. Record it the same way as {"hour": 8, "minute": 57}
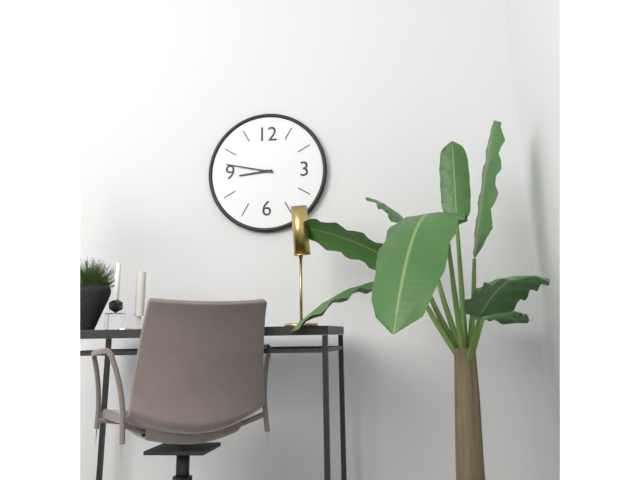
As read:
{"hour": 8, "minute": 47}
